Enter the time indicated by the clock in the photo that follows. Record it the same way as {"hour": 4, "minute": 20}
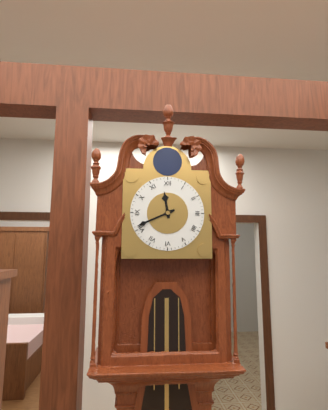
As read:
{"hour": 11, "minute": 41}
